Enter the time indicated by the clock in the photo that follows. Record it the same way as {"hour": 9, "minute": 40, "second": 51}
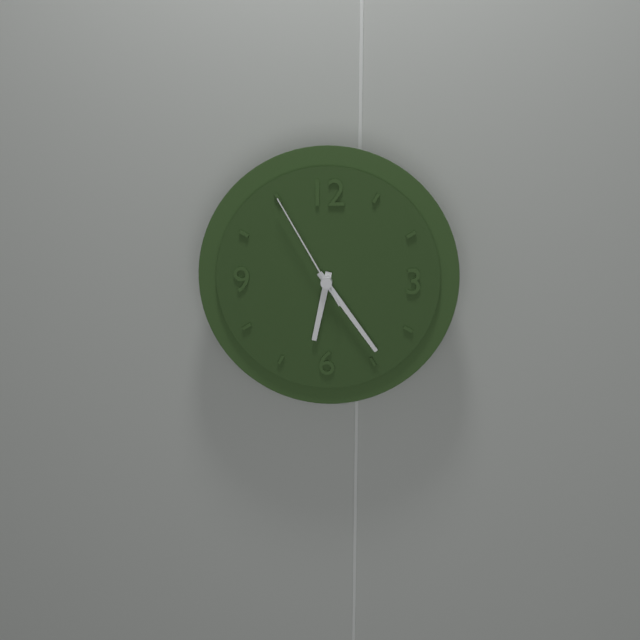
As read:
{"hour": 6, "minute": 24, "second": 55}
